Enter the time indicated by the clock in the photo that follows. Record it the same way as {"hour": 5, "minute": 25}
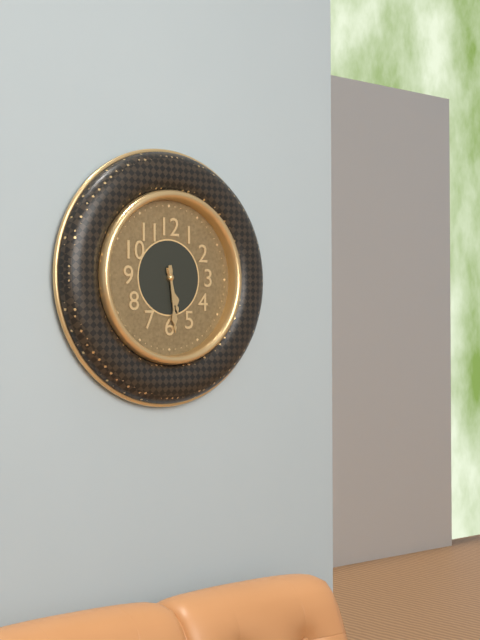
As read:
{"hour": 5, "minute": 29}
